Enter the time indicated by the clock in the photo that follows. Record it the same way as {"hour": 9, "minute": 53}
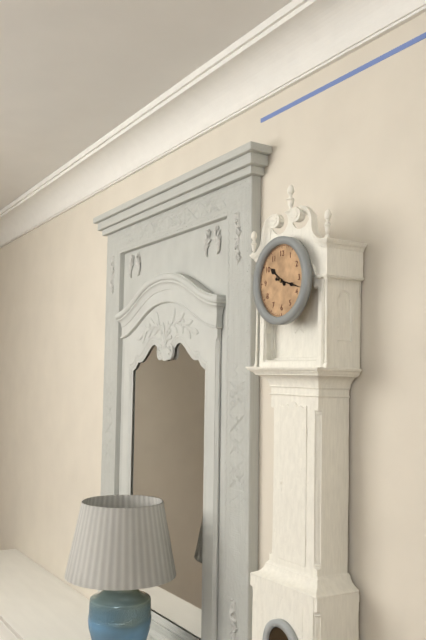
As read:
{"hour": 10, "minute": 18}
